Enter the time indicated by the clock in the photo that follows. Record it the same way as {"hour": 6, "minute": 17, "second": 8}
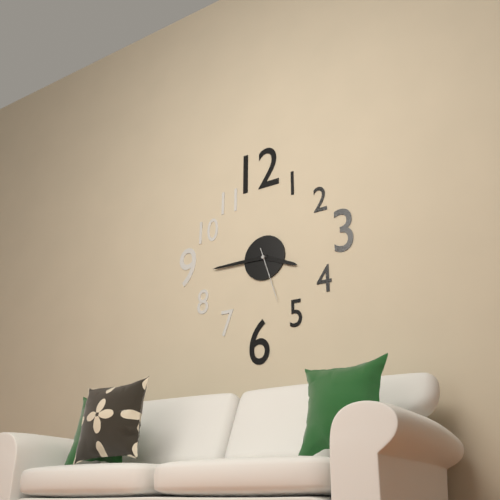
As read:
{"hour": 3, "minute": 45, "second": 27}
